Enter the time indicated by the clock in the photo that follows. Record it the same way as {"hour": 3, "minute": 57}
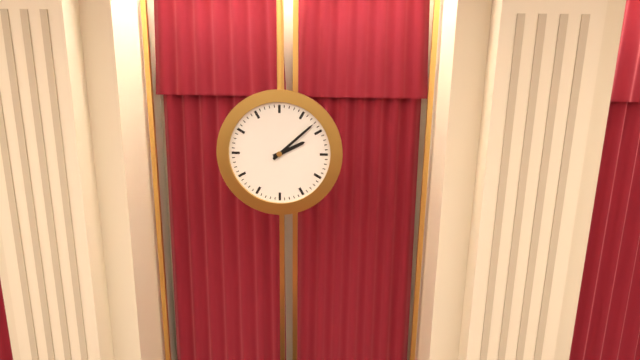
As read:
{"hour": 2, "minute": 8}
